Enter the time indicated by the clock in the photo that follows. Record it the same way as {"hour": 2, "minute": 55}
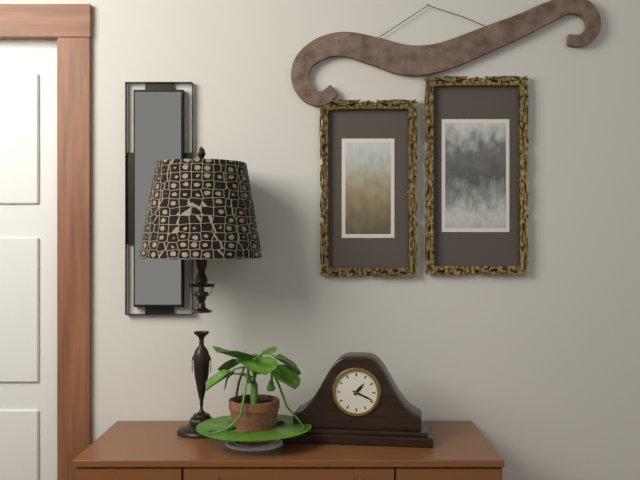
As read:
{"hour": 1, "minute": 19}
